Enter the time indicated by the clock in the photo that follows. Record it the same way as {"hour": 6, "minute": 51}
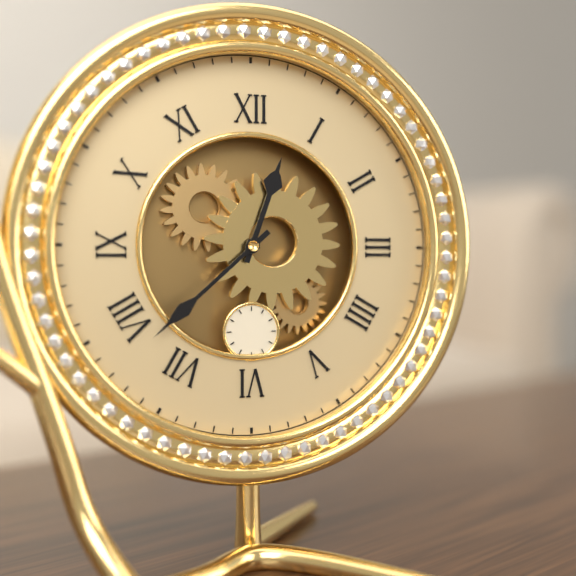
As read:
{"hour": 12, "minute": 38}
